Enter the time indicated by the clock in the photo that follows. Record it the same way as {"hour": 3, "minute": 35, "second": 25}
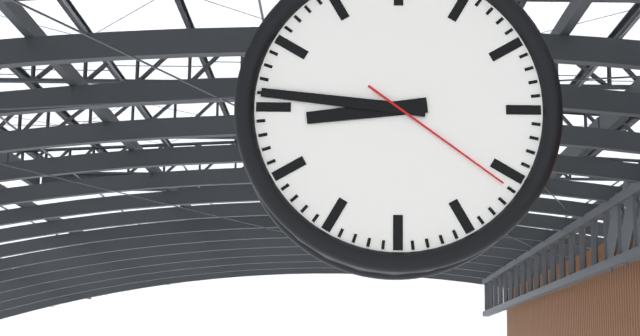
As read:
{"hour": 8, "minute": 46, "second": 21}
